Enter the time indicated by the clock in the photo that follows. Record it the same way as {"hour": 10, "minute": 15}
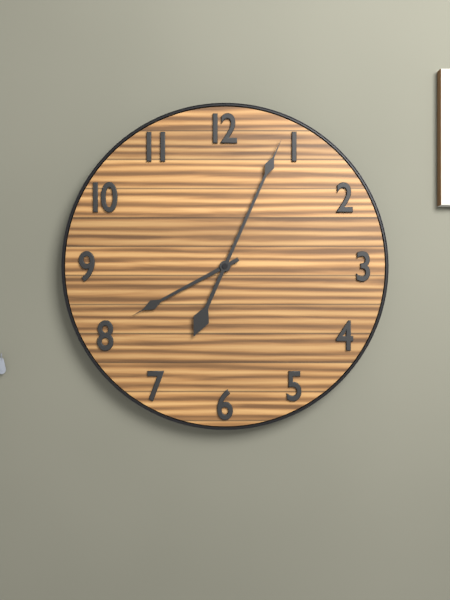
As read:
{"hour": 8, "minute": 4}
